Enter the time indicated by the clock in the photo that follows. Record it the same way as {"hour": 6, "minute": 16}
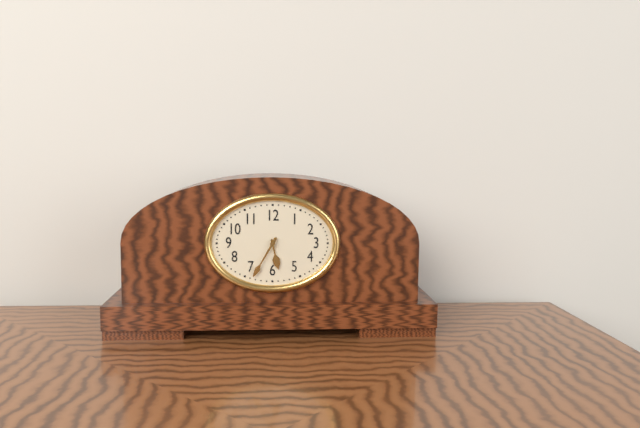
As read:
{"hour": 5, "minute": 35}
